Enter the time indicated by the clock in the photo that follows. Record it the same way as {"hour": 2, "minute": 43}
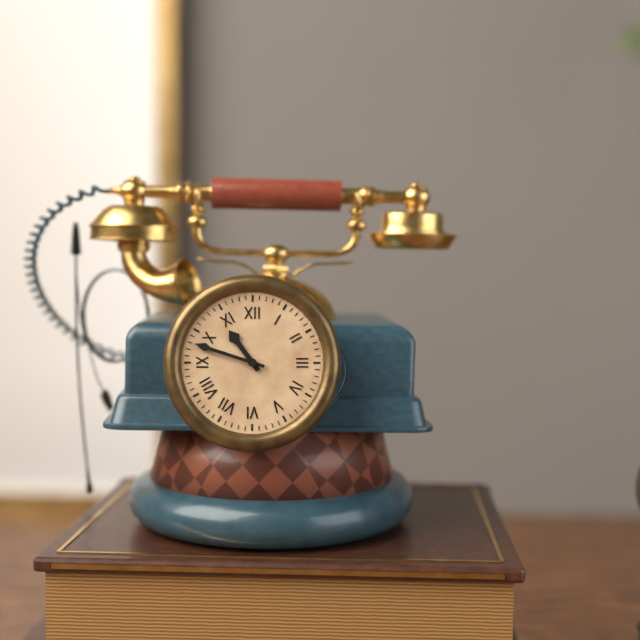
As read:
{"hour": 10, "minute": 48}
